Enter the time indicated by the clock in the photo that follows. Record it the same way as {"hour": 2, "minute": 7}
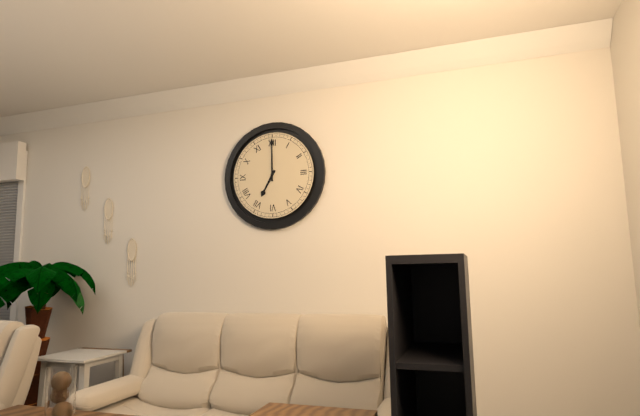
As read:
{"hour": 7, "minute": 0}
